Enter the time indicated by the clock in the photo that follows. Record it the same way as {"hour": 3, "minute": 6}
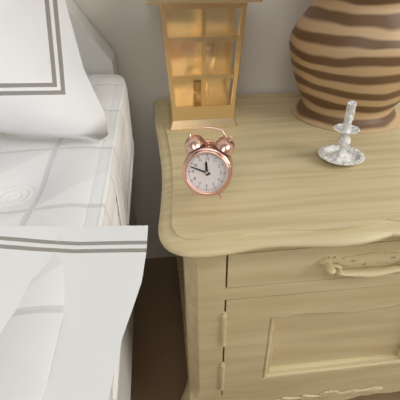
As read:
{"hour": 11, "minute": 48}
